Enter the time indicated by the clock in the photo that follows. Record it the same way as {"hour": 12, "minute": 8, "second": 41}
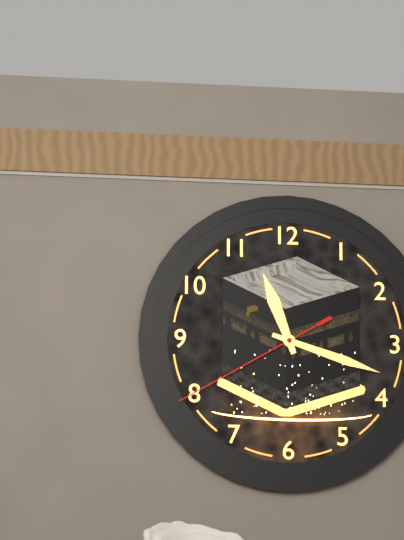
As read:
{"hour": 11, "minute": 18, "second": 40}
